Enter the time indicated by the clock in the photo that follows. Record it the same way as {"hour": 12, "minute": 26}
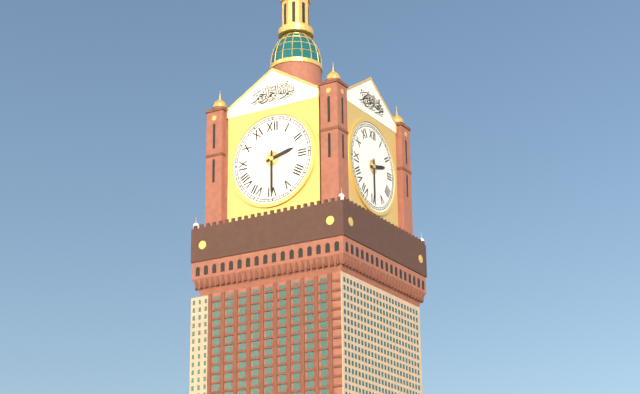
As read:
{"hour": 2, "minute": 30}
